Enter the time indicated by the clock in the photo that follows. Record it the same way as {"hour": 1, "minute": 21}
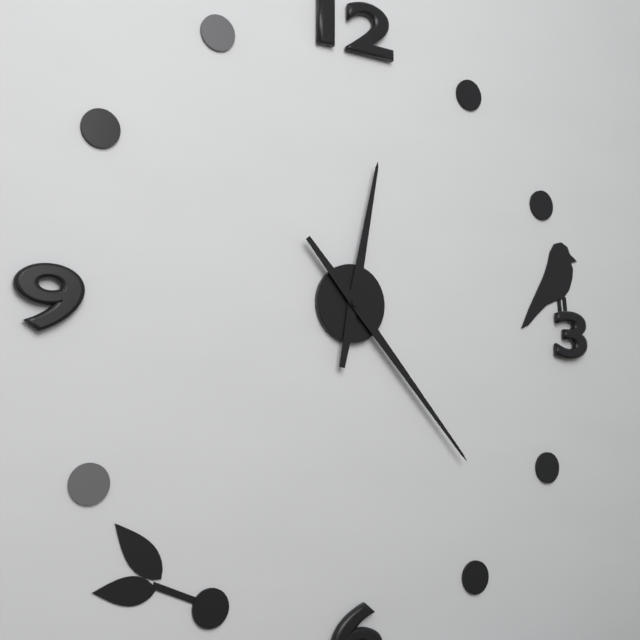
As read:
{"hour": 12, "minute": 23}
